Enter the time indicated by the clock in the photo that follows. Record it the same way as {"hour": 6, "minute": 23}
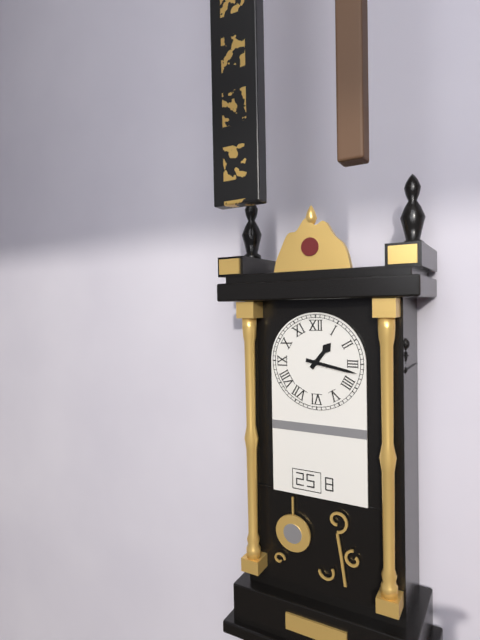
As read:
{"hour": 1, "minute": 17}
